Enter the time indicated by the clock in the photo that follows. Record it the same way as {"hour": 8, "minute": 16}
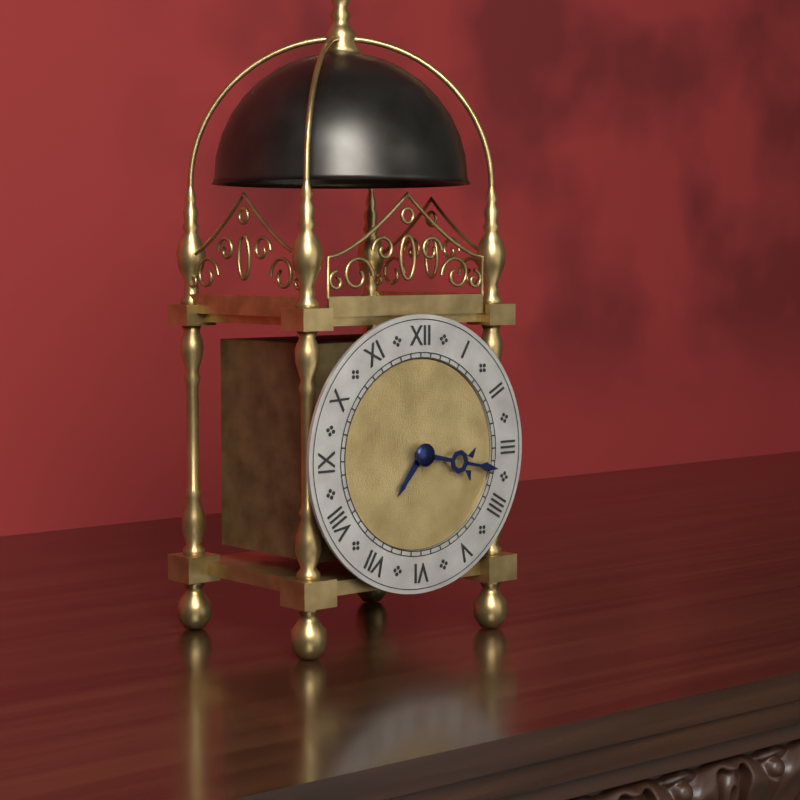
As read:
{"hour": 7, "minute": 17}
